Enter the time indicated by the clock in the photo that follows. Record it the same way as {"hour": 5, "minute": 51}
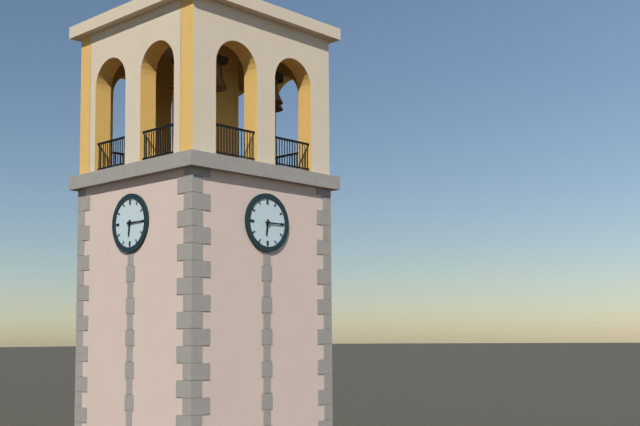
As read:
{"hour": 6, "minute": 15}
